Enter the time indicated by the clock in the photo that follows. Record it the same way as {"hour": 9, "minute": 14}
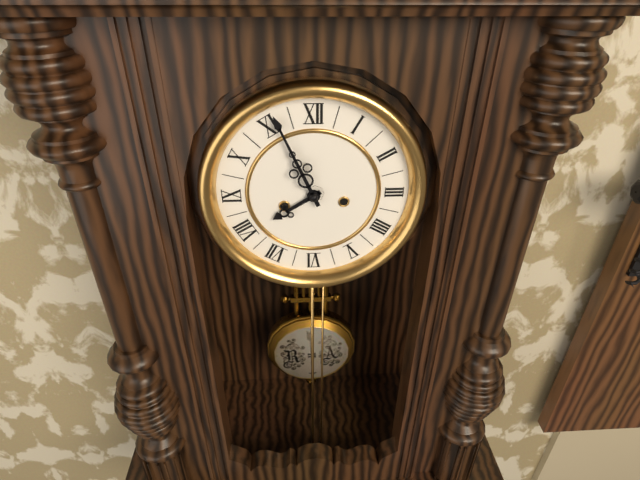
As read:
{"hour": 7, "minute": 56}
